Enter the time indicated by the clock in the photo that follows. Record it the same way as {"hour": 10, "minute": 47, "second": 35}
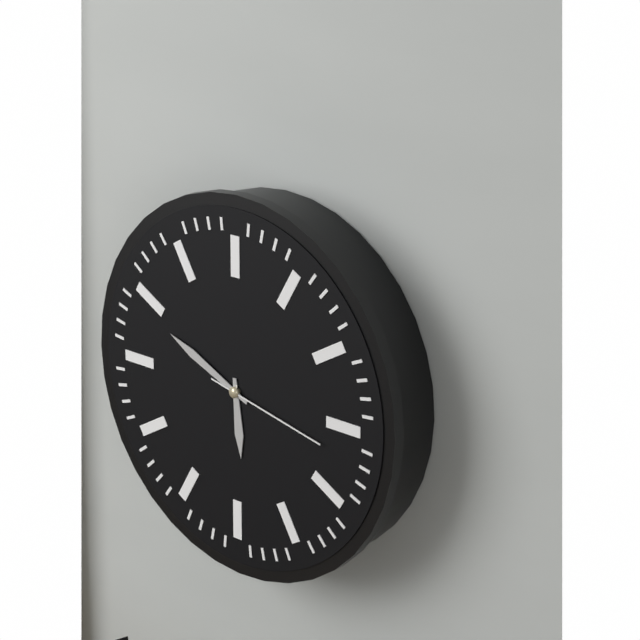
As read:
{"hour": 5, "minute": 49, "second": 17}
